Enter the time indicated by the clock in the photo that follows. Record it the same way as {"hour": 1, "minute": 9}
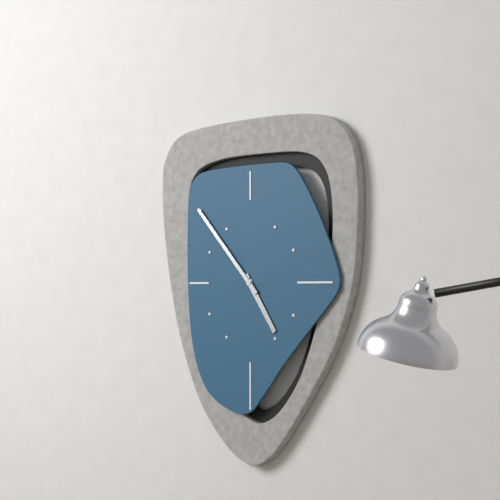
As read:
{"hour": 4, "minute": 53}
